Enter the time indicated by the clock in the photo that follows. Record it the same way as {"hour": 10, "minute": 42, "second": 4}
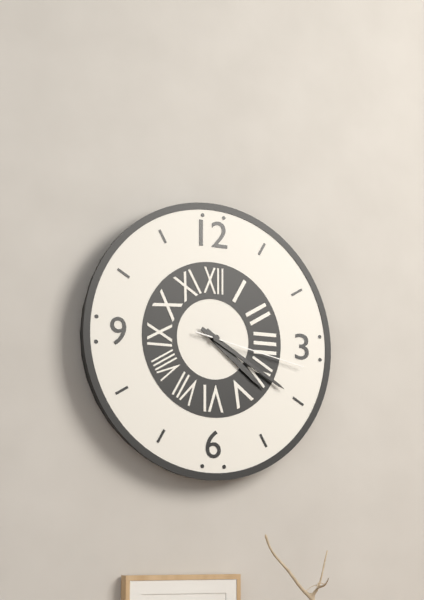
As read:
{"hour": 4, "minute": 20, "second": 17}
